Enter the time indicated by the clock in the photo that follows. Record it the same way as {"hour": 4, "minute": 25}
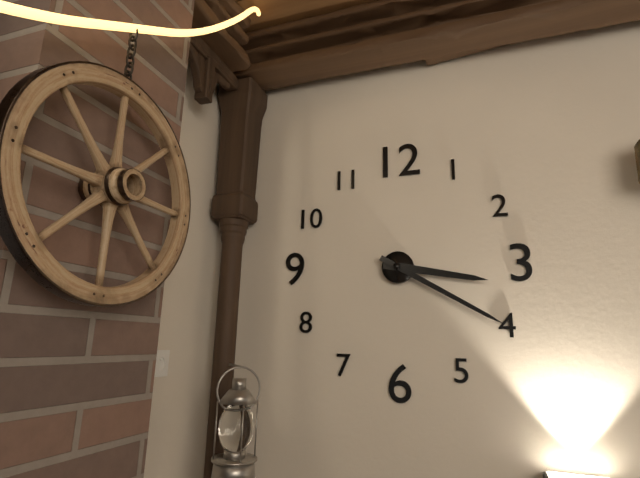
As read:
{"hour": 3, "minute": 20}
